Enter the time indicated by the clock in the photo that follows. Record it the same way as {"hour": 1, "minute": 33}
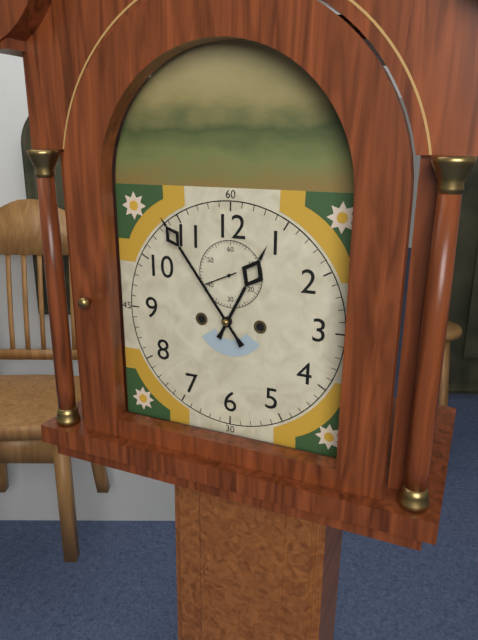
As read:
{"hour": 12, "minute": 54}
